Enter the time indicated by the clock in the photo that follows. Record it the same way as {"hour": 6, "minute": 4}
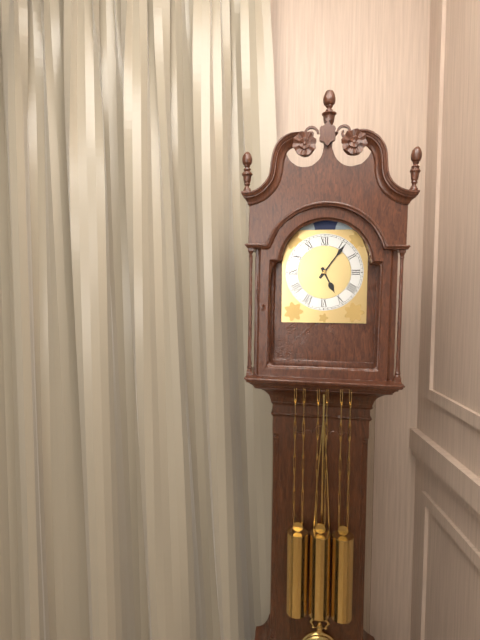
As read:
{"hour": 5, "minute": 6}
